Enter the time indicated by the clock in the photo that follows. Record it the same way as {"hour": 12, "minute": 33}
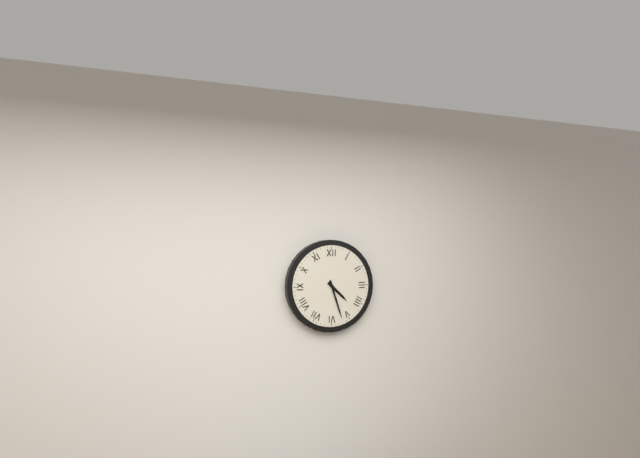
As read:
{"hour": 4, "minute": 27}
